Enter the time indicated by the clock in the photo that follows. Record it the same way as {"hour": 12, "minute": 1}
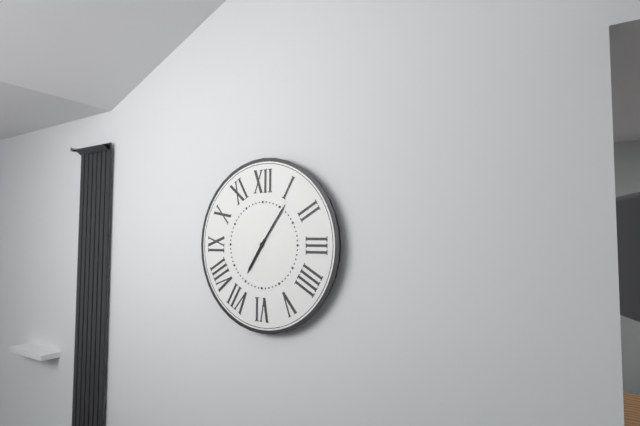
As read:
{"hour": 7, "minute": 6}
